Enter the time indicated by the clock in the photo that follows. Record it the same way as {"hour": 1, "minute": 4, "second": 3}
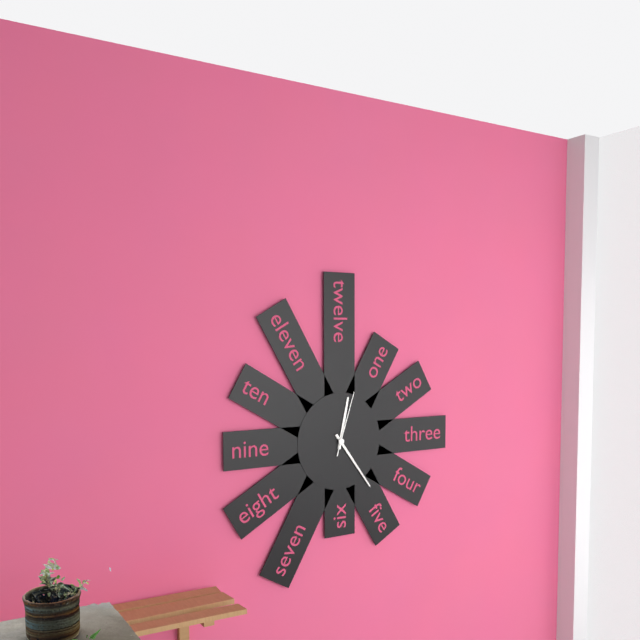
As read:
{"hour": 12, "minute": 24, "second": 3}
